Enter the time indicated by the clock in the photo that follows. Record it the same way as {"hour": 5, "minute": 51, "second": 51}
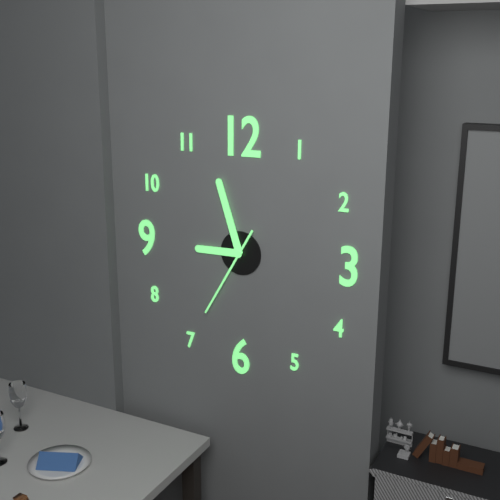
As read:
{"hour": 8, "minute": 57, "second": 35}
